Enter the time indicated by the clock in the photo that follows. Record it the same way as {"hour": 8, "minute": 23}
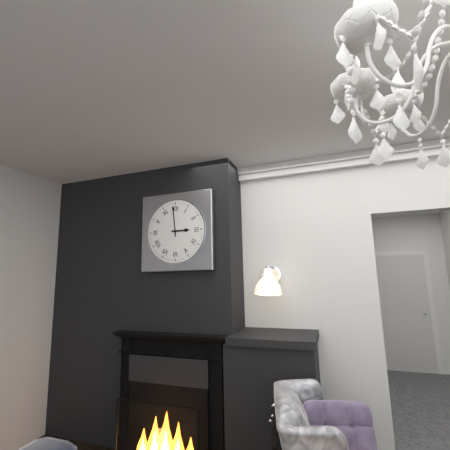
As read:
{"hour": 2, "minute": 59}
